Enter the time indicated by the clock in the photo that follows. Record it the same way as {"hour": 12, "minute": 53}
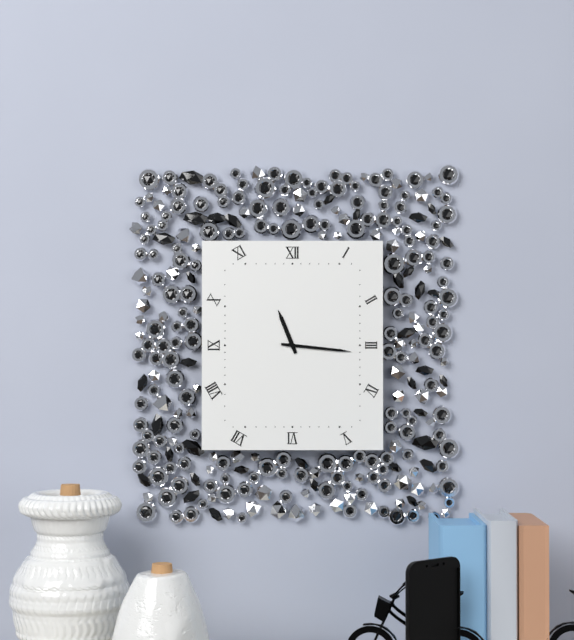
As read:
{"hour": 11, "minute": 16}
